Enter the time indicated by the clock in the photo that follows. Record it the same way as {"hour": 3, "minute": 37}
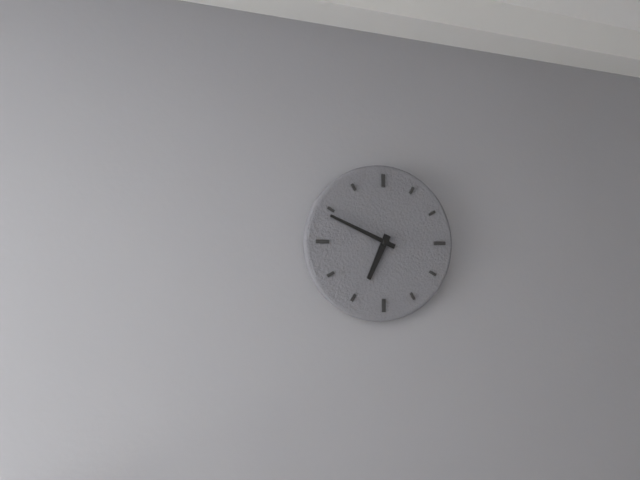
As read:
{"hour": 6, "minute": 49}
